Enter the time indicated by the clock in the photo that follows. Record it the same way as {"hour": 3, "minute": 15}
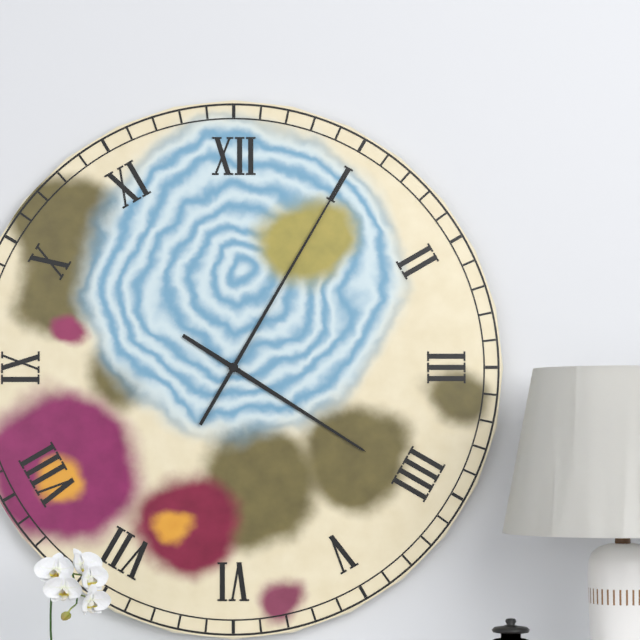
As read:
{"hour": 4, "minute": 5}
